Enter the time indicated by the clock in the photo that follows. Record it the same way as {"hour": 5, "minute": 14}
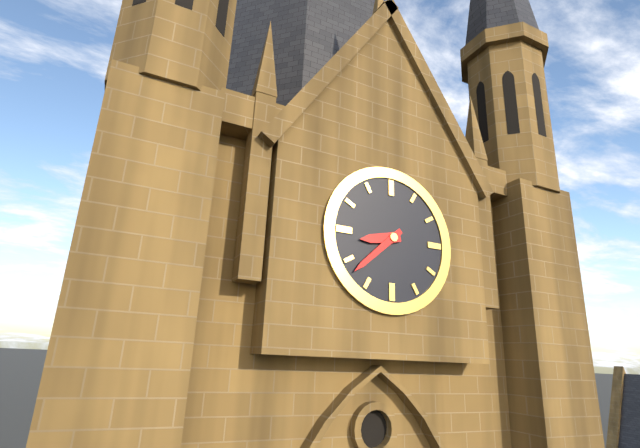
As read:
{"hour": 8, "minute": 38}
